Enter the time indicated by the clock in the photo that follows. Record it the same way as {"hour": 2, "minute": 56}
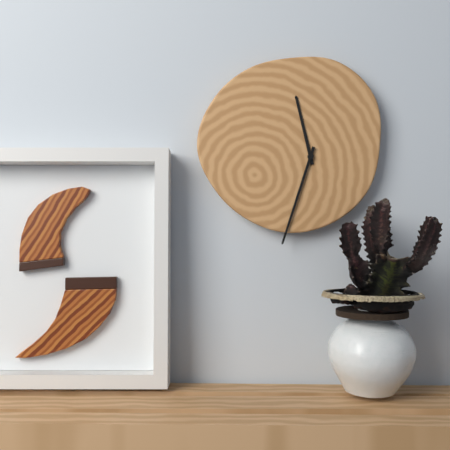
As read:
{"hour": 11, "minute": 33}
